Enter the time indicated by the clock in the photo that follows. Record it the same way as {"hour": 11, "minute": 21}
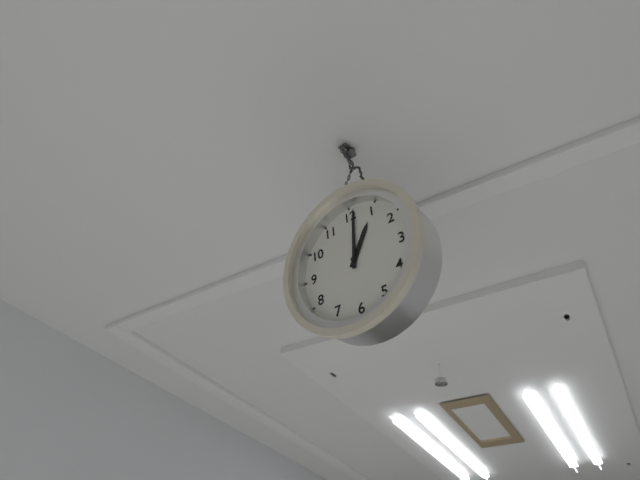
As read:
{"hour": 1, "minute": 1}
